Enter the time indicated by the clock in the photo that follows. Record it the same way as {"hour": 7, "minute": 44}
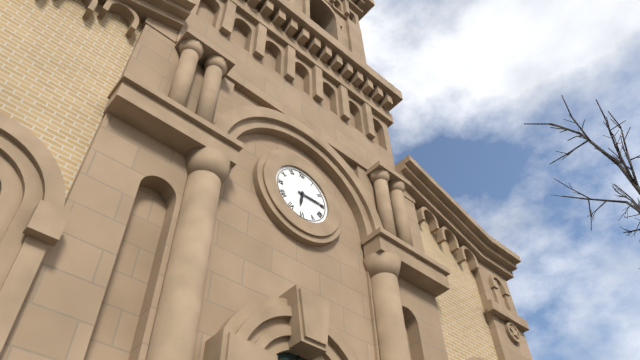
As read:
{"hour": 6, "minute": 15}
